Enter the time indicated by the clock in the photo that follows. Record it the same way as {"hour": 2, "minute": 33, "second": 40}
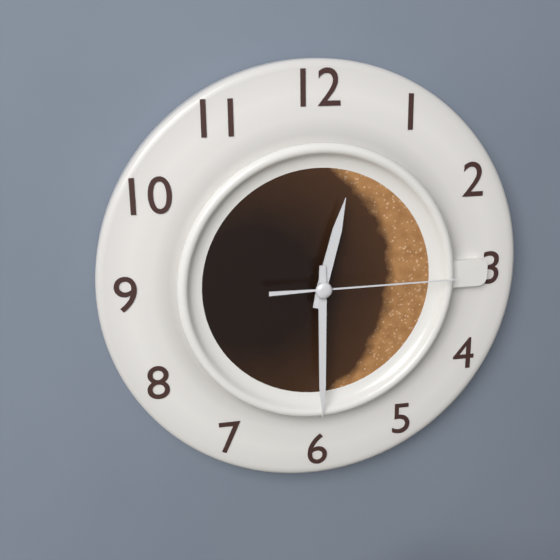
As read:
{"hour": 12, "minute": 30, "second": 15}
